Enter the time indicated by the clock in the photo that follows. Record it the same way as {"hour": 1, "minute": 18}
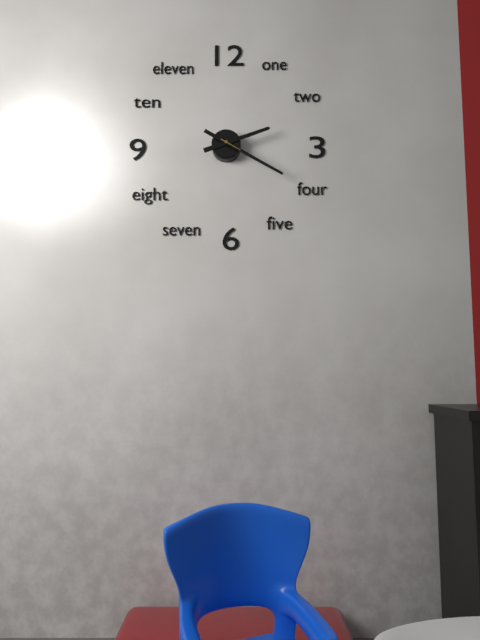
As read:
{"hour": 2, "minute": 20}
